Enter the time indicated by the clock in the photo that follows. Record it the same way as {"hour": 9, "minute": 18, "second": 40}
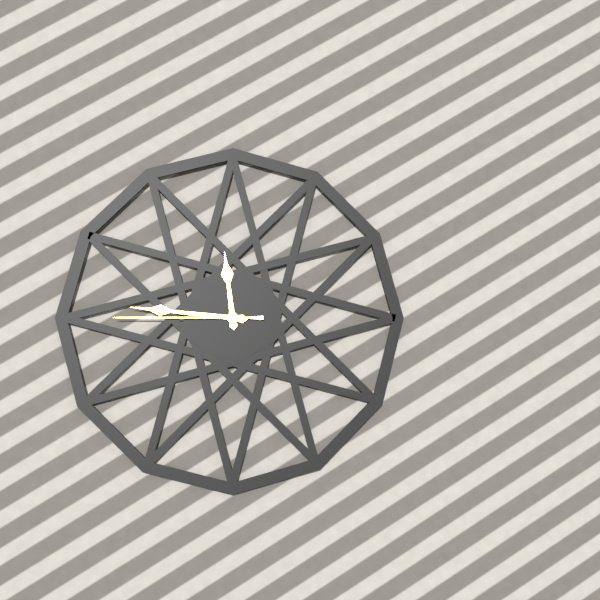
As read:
{"hour": 11, "minute": 46, "second": 45}
